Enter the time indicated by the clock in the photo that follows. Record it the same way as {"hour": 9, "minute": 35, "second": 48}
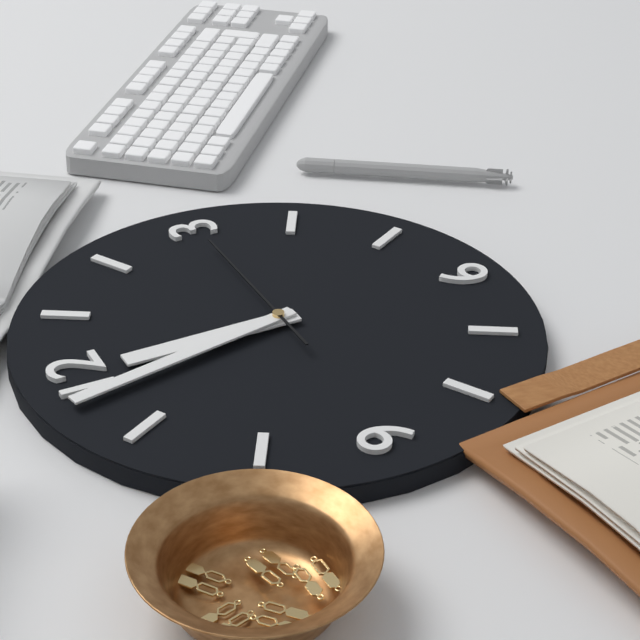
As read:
{"hour": 11, "minute": 58, "second": 15}
